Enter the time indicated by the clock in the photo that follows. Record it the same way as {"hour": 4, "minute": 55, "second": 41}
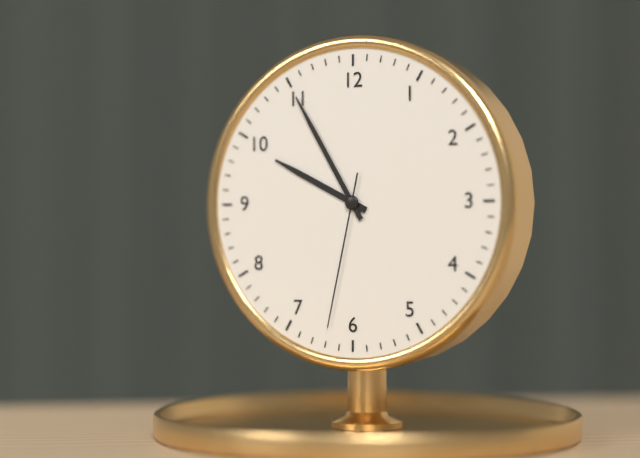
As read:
{"hour": 9, "minute": 55, "second": 32}
